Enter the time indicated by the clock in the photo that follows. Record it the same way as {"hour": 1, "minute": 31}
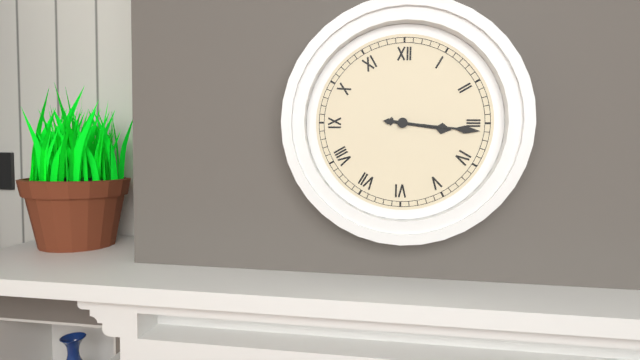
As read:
{"hour": 3, "minute": 16}
